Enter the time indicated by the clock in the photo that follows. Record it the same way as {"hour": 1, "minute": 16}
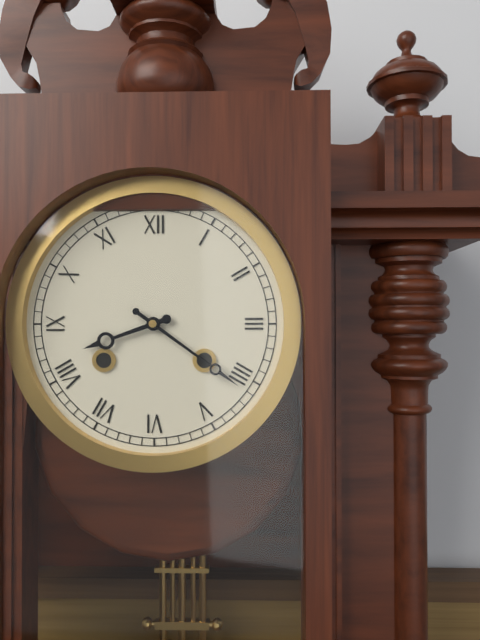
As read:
{"hour": 8, "minute": 21}
